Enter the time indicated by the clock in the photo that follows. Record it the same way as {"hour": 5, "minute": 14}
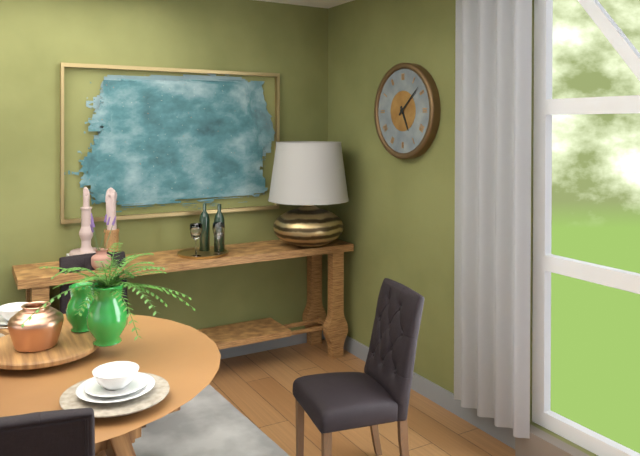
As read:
{"hour": 5, "minute": 8}
